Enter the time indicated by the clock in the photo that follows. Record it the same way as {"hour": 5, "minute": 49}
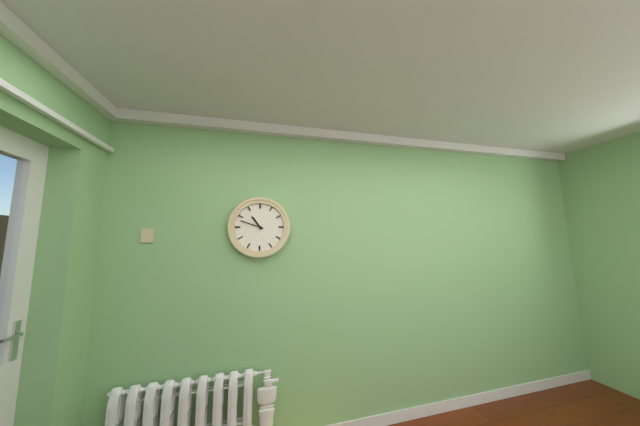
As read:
{"hour": 10, "minute": 48}
